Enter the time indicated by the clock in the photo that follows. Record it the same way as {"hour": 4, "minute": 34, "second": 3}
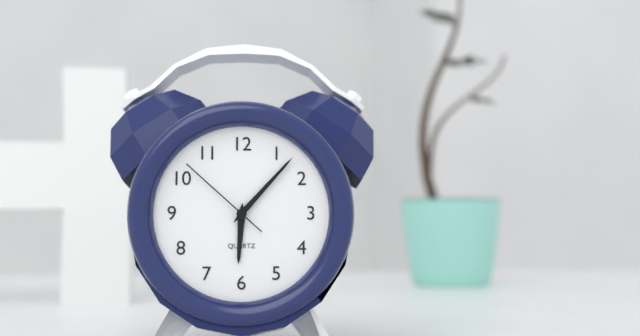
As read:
{"hour": 6, "minute": 7, "second": 52}
